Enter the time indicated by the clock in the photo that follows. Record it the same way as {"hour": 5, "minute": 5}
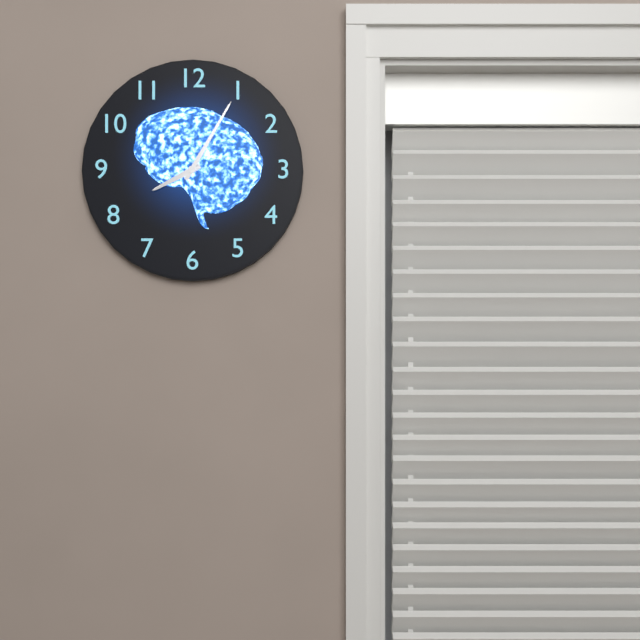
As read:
{"hour": 8, "minute": 5}
